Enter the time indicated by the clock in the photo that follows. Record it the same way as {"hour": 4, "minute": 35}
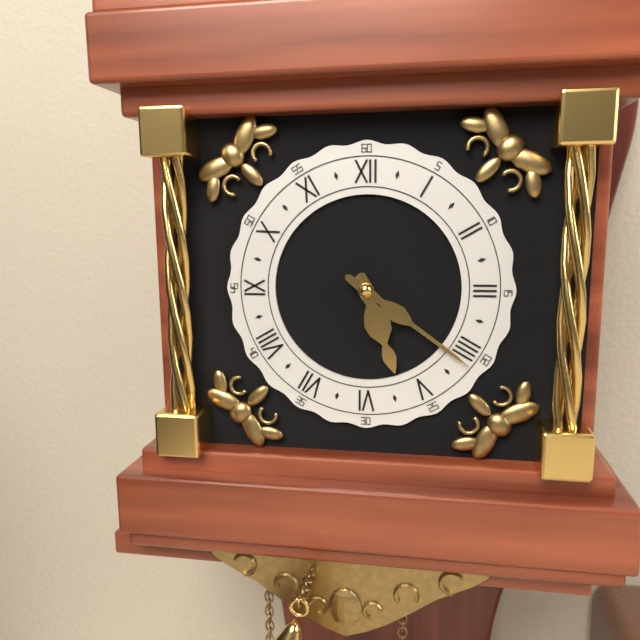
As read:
{"hour": 5, "minute": 21}
